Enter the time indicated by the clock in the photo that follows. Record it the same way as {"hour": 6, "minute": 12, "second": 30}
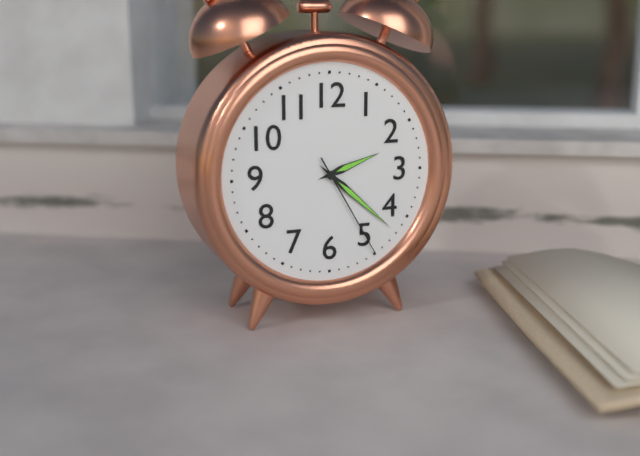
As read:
{"hour": 2, "minute": 22, "second": 25}
